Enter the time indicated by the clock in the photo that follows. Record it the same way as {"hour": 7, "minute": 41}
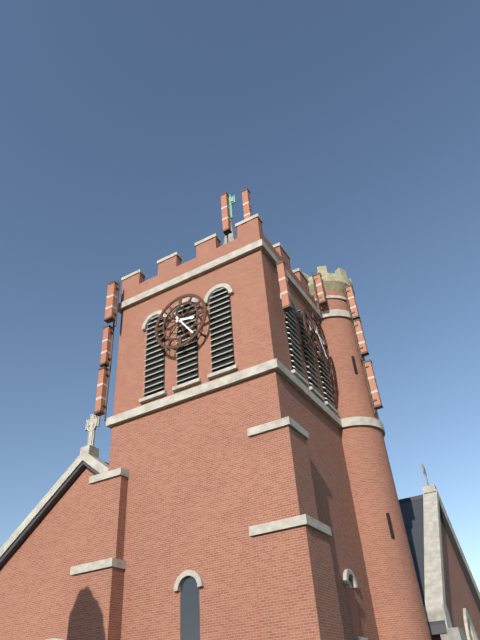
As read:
{"hour": 3, "minute": 24}
